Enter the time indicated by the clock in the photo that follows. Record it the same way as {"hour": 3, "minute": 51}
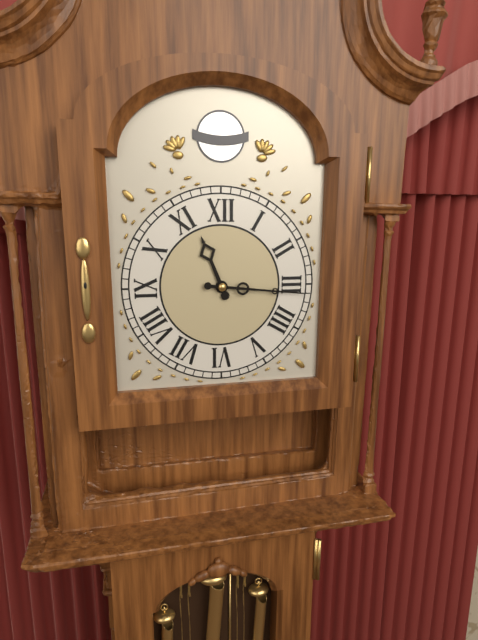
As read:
{"hour": 11, "minute": 16}
